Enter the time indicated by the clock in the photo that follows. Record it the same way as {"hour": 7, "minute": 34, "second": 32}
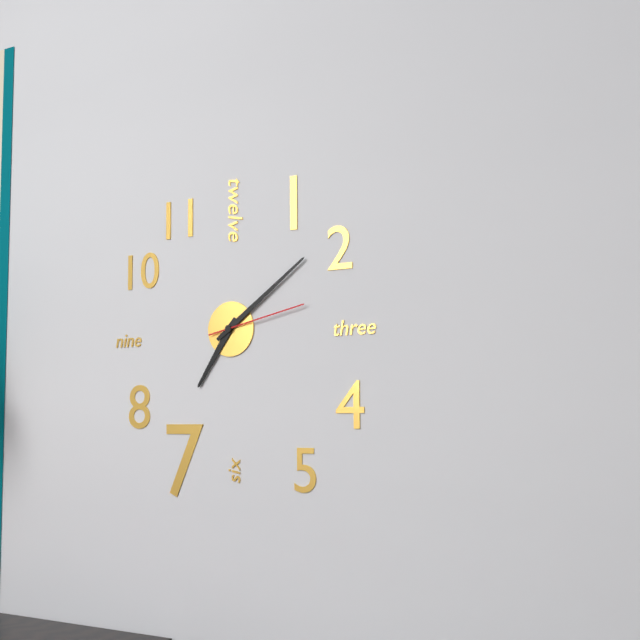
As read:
{"hour": 7, "minute": 9, "second": 13}
